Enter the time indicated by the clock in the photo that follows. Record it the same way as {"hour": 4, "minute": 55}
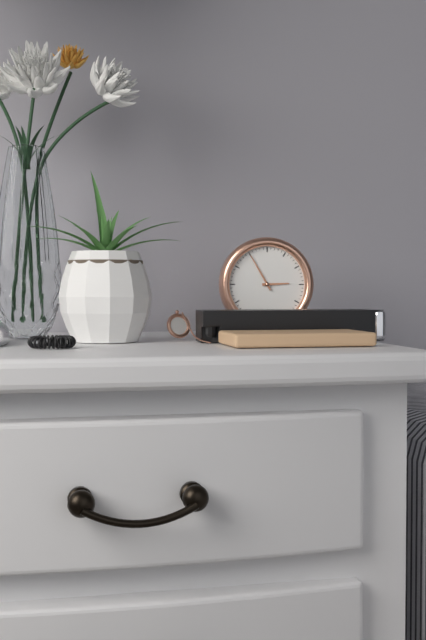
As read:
{"hour": 2, "minute": 55}
